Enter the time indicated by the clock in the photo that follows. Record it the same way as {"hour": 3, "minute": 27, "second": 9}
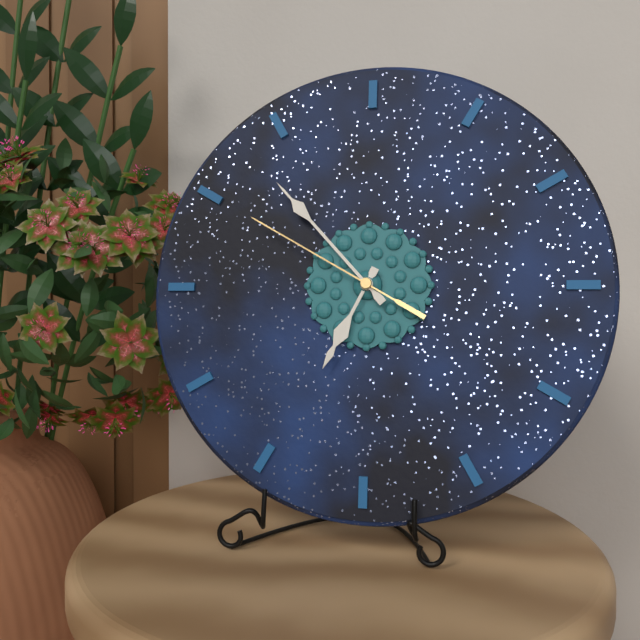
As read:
{"hour": 6, "minute": 53, "second": 50}
